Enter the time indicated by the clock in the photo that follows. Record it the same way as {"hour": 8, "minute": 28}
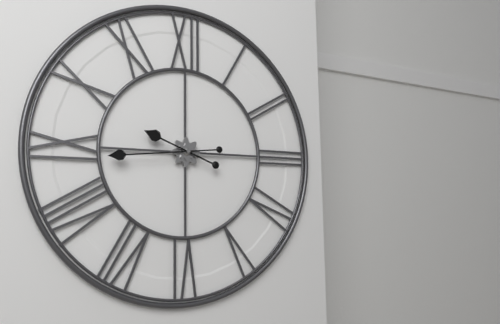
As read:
{"hour": 9, "minute": 44}
